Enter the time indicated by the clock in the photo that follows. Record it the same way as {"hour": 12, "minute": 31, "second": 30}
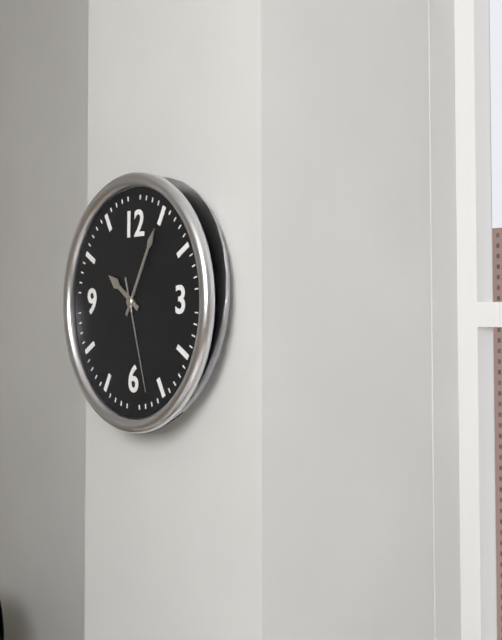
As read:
{"hour": 10, "minute": 5, "second": 27}
